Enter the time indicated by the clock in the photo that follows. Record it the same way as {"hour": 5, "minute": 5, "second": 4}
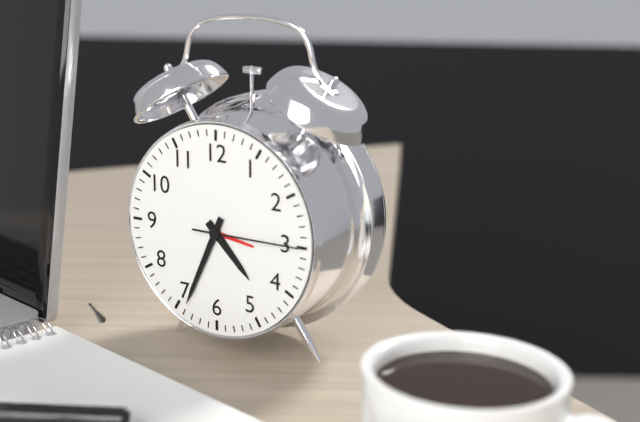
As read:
{"hour": 4, "minute": 34, "second": 15}
